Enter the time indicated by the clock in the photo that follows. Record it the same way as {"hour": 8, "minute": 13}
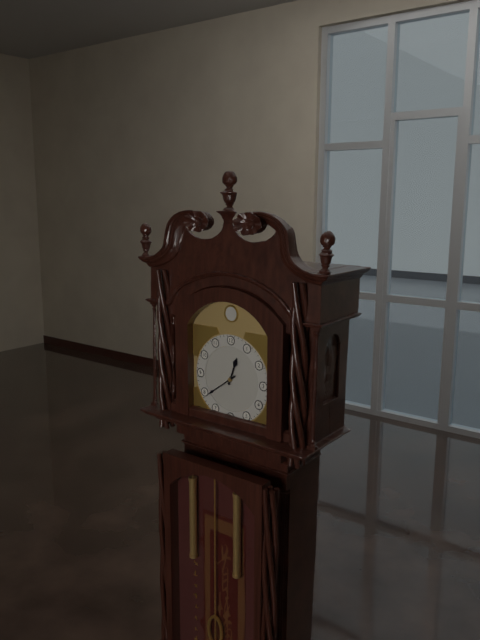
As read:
{"hour": 12, "minute": 39}
